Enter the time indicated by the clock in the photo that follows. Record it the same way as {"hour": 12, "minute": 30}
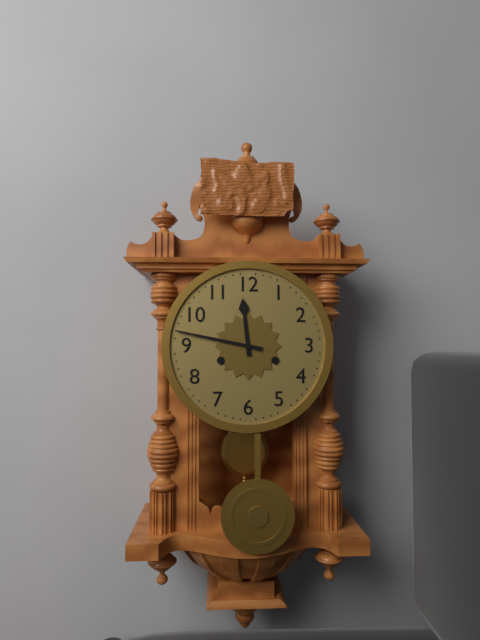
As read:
{"hour": 11, "minute": 47}
